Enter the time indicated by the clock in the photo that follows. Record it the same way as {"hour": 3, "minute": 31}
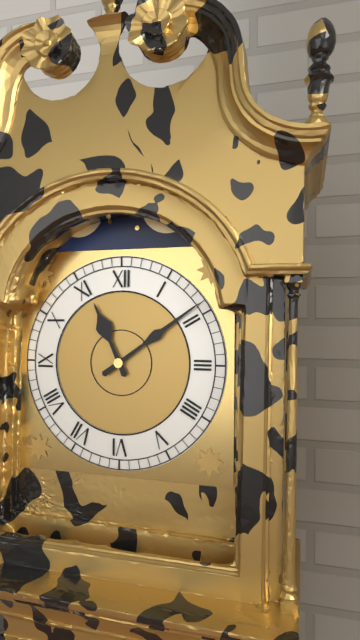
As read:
{"hour": 11, "minute": 9}
